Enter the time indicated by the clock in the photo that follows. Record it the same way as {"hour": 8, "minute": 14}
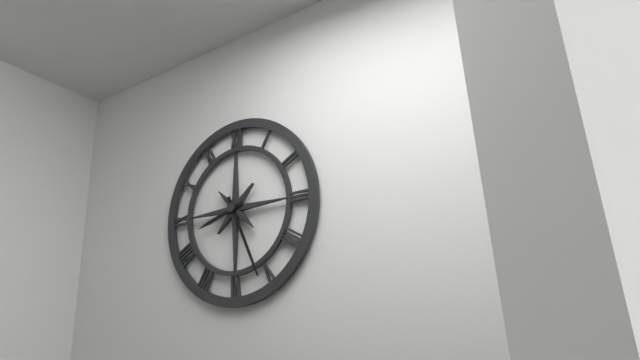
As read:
{"hour": 8, "minute": 26}
